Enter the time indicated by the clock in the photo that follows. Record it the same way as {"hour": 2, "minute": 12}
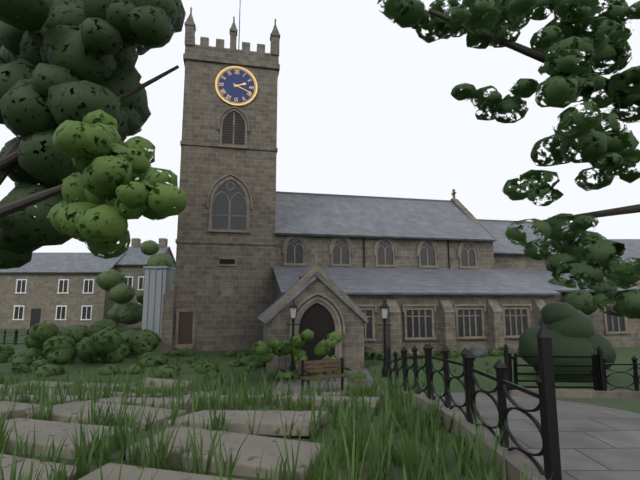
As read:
{"hour": 2, "minute": 19}
